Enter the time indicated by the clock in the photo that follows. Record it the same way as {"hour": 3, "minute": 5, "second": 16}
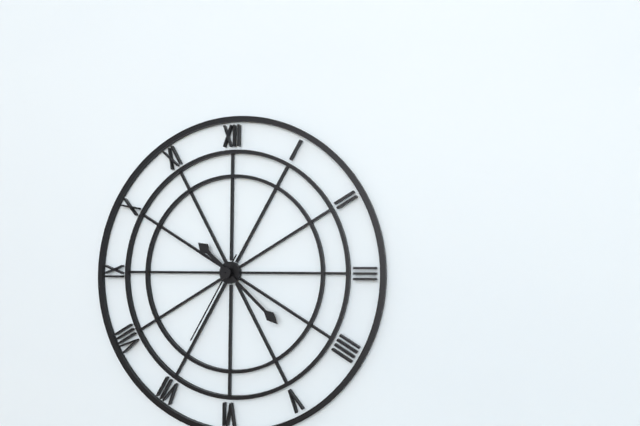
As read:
{"hour": 10, "minute": 22, "second": 35}
